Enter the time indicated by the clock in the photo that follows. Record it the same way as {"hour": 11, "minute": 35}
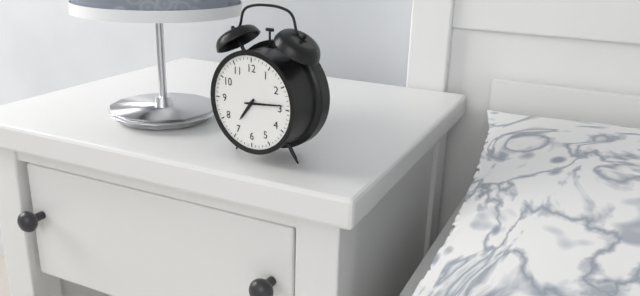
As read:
{"hour": 7, "minute": 14}
